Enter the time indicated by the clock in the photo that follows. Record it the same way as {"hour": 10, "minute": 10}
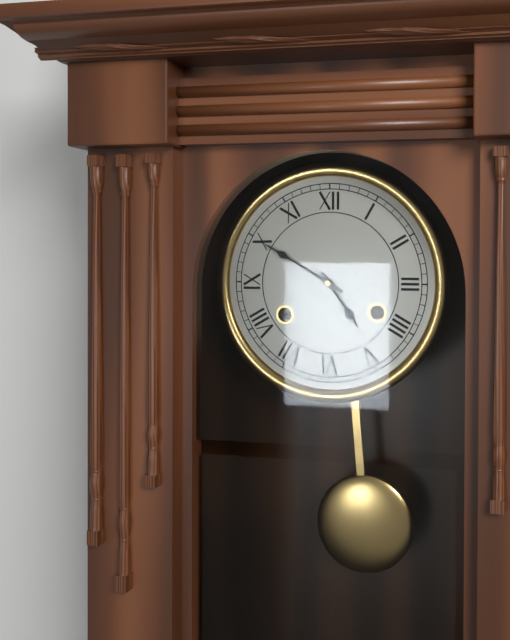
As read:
{"hour": 4, "minute": 50}
